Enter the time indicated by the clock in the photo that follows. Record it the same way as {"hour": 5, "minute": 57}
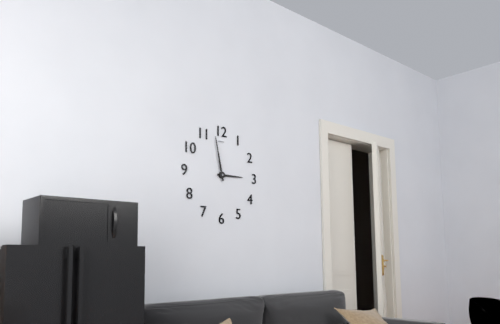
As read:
{"hour": 2, "minute": 58}
